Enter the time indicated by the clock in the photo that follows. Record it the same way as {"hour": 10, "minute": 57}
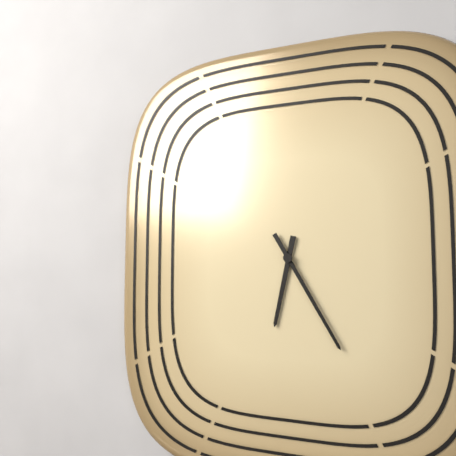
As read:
{"hour": 6, "minute": 25}
